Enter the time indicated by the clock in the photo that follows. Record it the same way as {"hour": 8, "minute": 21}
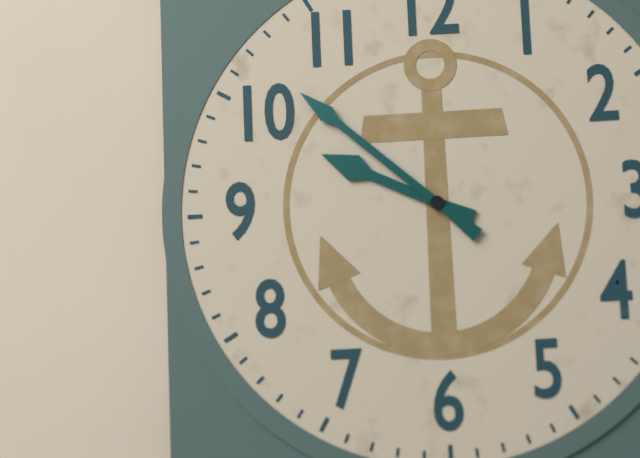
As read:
{"hour": 9, "minute": 52}
